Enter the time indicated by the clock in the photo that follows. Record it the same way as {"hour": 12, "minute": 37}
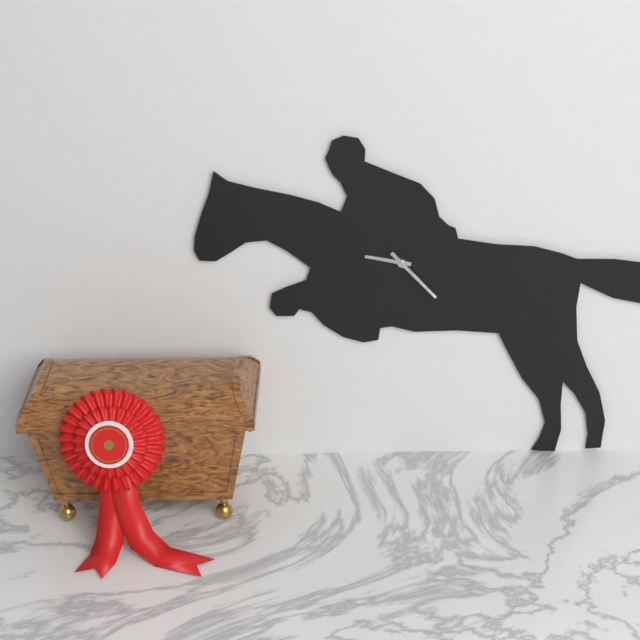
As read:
{"hour": 9, "minute": 23}
